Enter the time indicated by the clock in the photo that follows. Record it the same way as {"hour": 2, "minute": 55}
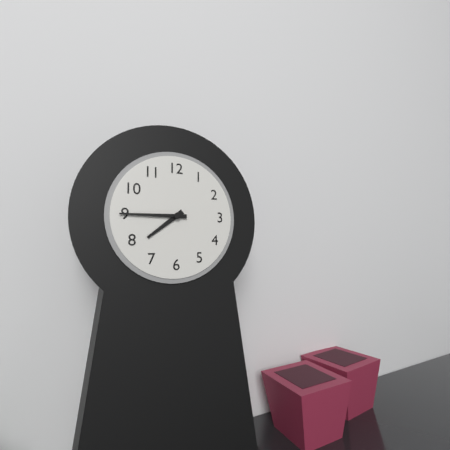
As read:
{"hour": 7, "minute": 45}
